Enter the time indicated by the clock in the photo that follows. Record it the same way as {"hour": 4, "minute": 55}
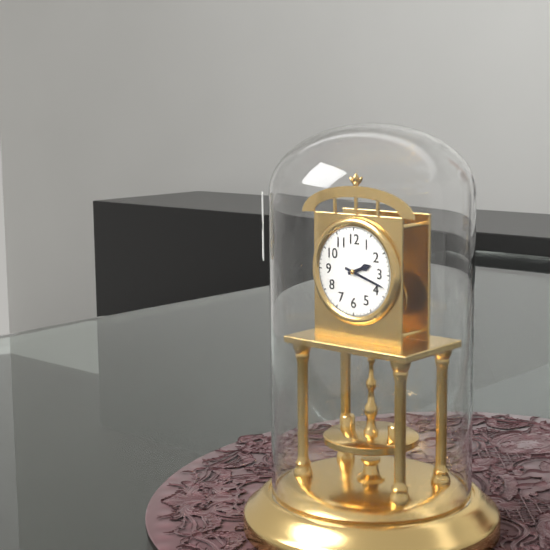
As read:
{"hour": 2, "minute": 18}
